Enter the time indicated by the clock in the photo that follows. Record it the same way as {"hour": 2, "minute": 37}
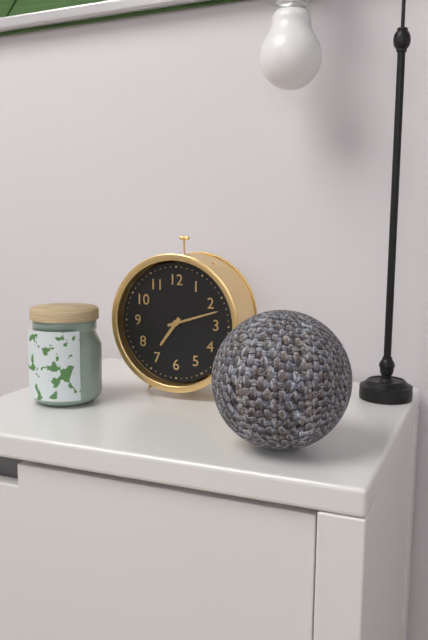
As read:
{"hour": 7, "minute": 12}
